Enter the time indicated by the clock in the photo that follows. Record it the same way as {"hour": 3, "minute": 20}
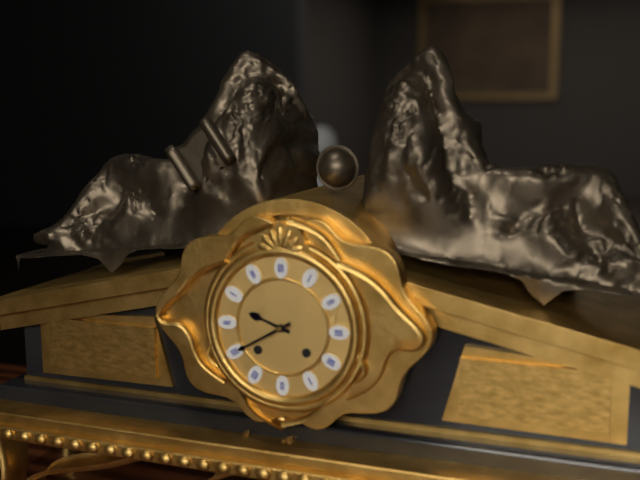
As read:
{"hour": 9, "minute": 40}
